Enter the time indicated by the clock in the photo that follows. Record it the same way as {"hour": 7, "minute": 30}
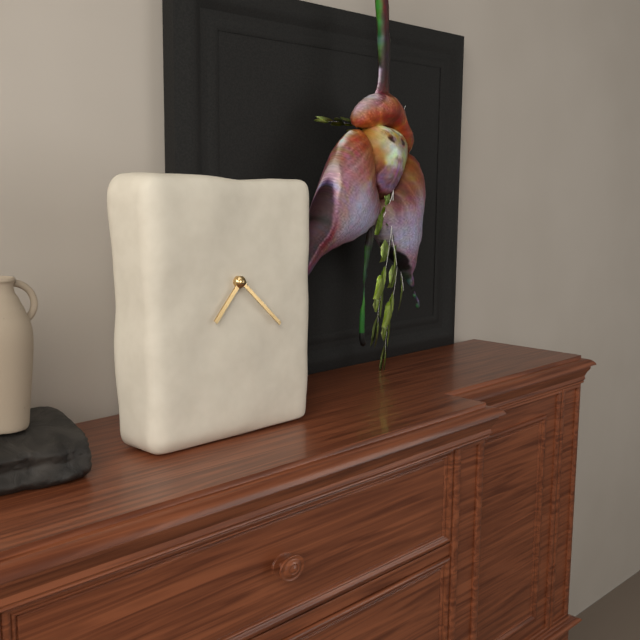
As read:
{"hour": 7, "minute": 22}
